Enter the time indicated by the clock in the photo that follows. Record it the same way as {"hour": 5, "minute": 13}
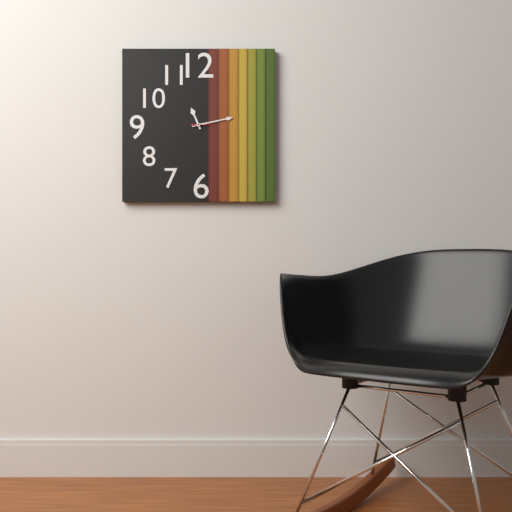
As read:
{"hour": 11, "minute": 13}
